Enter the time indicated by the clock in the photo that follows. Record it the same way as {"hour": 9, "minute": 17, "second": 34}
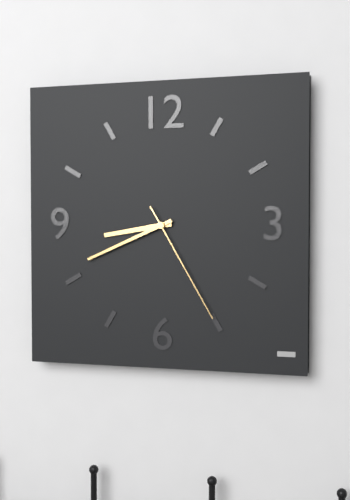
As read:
{"hour": 8, "minute": 41, "second": 25}
